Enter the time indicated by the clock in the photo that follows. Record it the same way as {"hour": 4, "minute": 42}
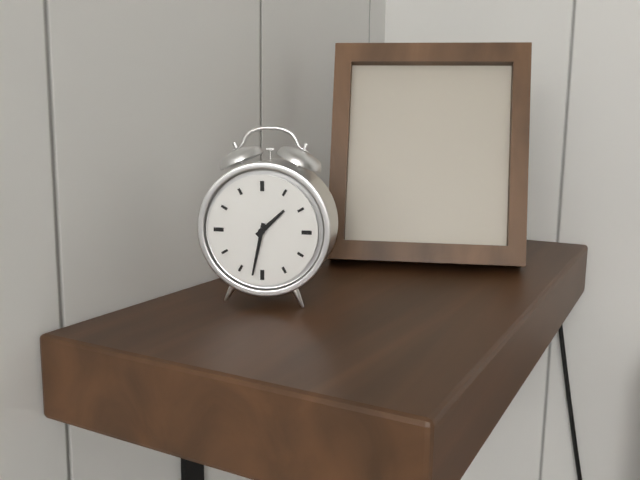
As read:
{"hour": 1, "minute": 32}
